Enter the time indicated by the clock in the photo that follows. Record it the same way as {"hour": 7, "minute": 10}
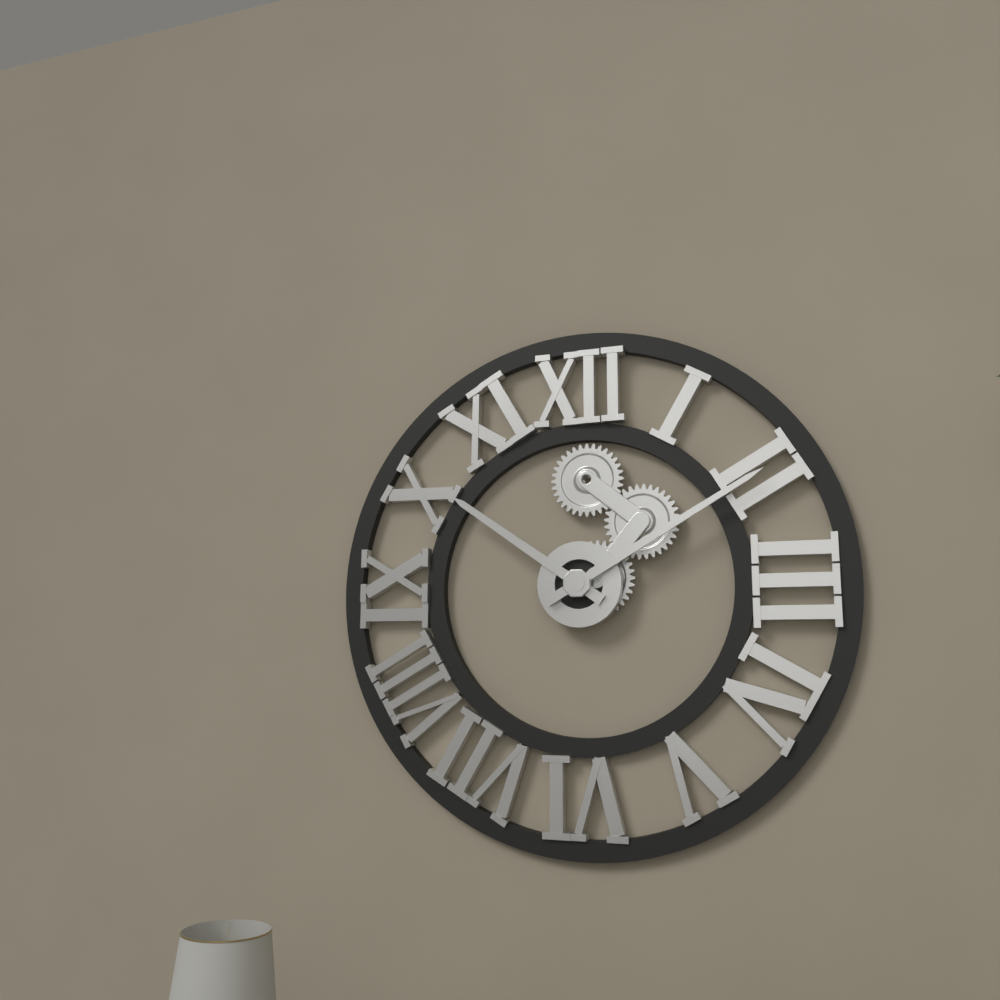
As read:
{"hour": 10, "minute": 10}
